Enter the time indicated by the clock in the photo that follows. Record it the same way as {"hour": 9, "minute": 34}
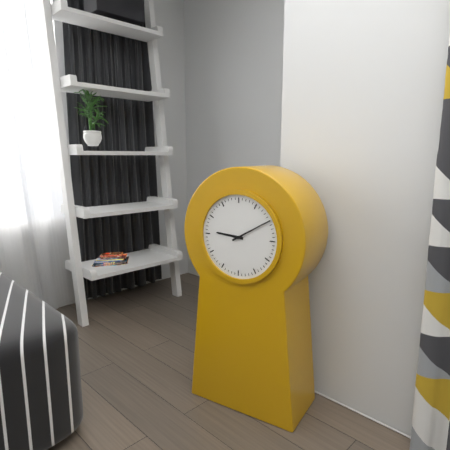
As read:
{"hour": 9, "minute": 10}
